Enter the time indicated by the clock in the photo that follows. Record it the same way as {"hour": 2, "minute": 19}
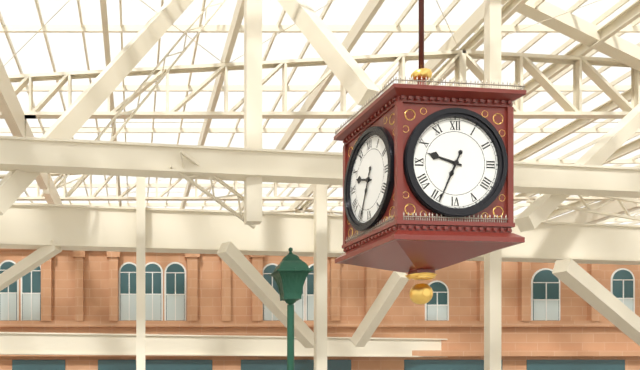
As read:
{"hour": 9, "minute": 34}
